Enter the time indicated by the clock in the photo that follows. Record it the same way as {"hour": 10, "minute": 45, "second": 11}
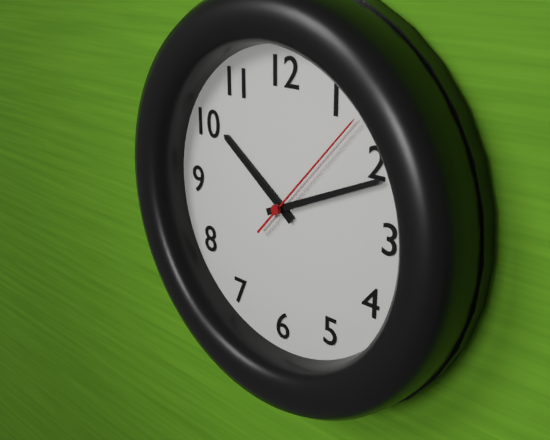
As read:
{"hour": 10, "minute": 11, "second": 7}
